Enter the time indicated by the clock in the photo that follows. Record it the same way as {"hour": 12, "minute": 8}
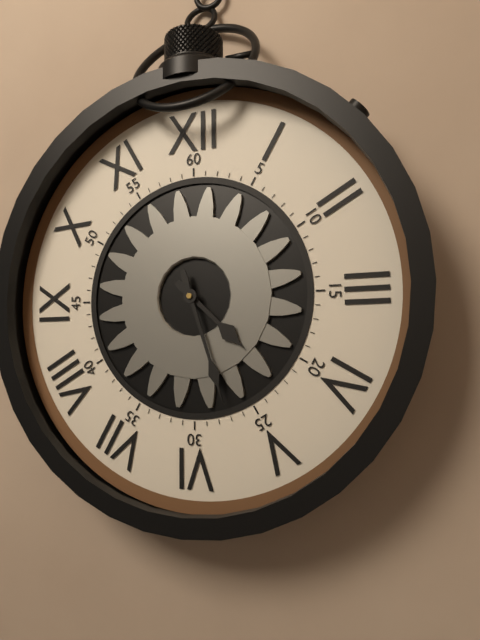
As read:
{"hour": 4, "minute": 27}
